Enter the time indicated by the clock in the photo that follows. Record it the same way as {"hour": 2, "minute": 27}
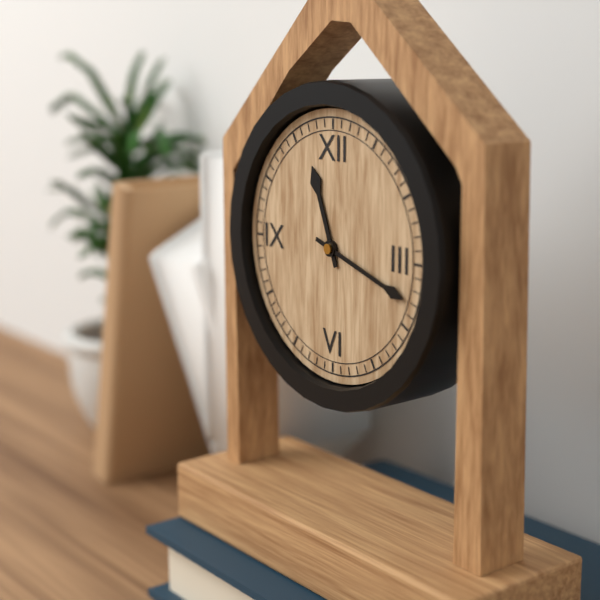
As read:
{"hour": 11, "minute": 18}
